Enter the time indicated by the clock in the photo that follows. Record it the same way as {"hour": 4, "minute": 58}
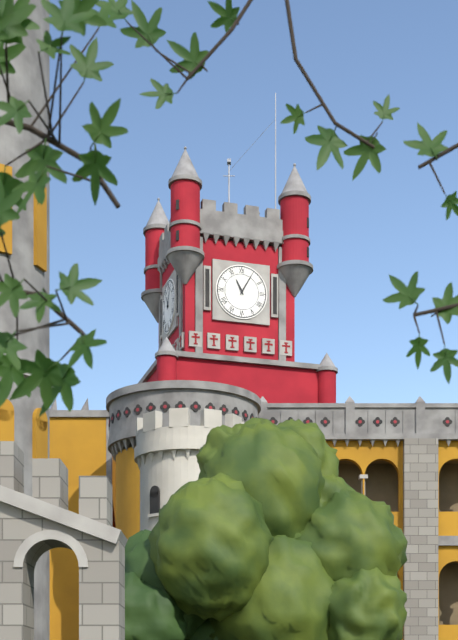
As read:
{"hour": 11, "minute": 5}
